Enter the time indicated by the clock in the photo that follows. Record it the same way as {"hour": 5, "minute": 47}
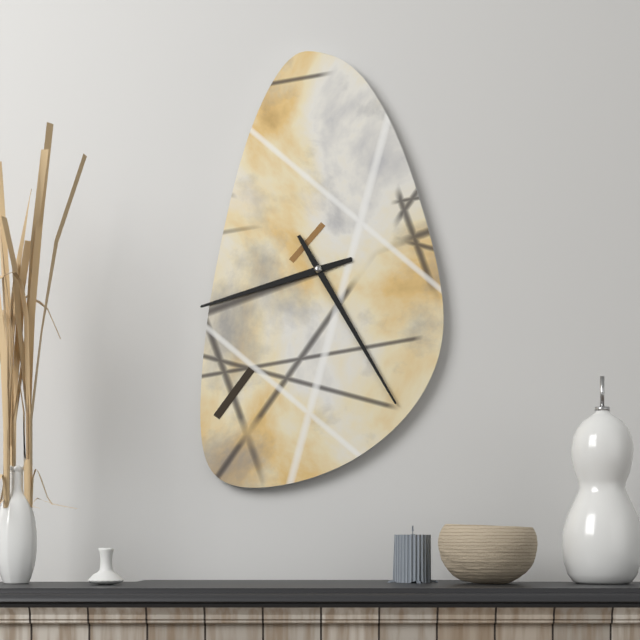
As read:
{"hour": 8, "minute": 25}
